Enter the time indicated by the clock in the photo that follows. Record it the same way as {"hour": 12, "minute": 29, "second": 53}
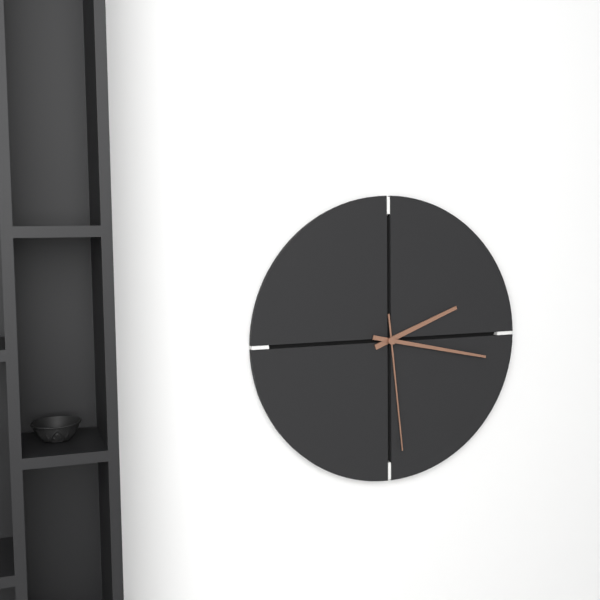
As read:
{"hour": 2, "minute": 17, "second": 29}
